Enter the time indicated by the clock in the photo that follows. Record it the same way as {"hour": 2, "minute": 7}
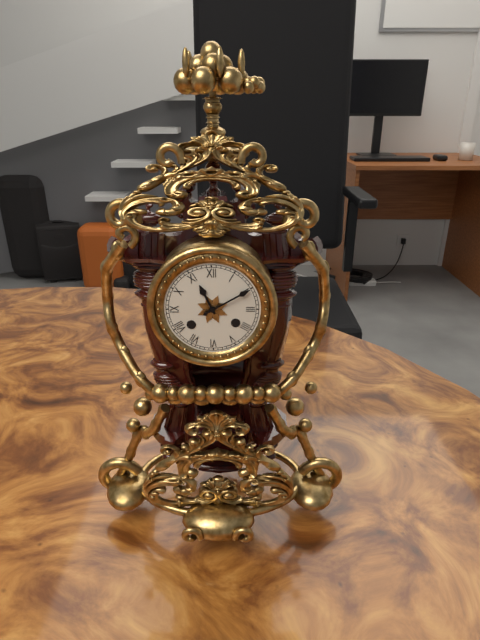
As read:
{"hour": 11, "minute": 10}
